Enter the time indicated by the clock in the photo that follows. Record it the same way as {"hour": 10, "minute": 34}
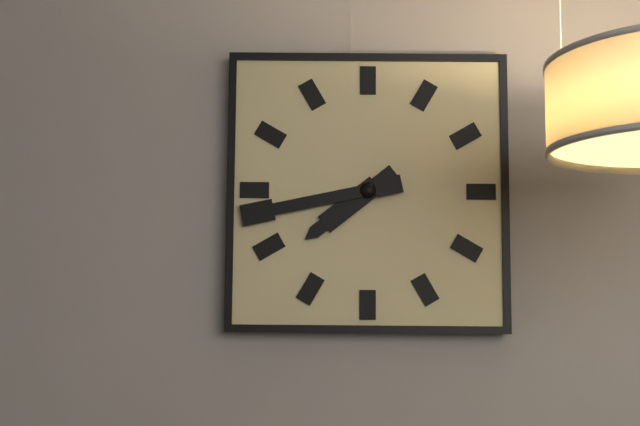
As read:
{"hour": 7, "minute": 43}
